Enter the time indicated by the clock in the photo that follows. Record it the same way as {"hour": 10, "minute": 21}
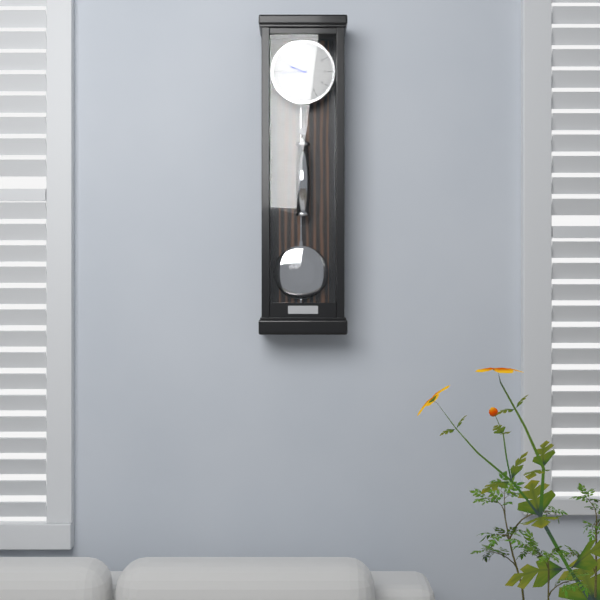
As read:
{"hour": 9, "minute": 44}
